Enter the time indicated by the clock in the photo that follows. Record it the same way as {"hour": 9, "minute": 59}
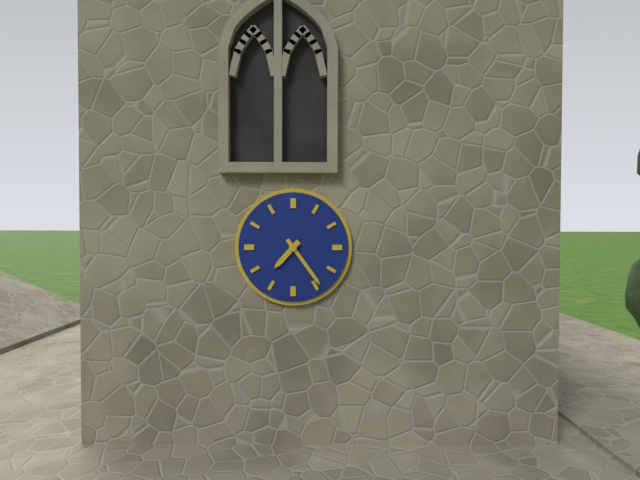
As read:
{"hour": 7, "minute": 24}
